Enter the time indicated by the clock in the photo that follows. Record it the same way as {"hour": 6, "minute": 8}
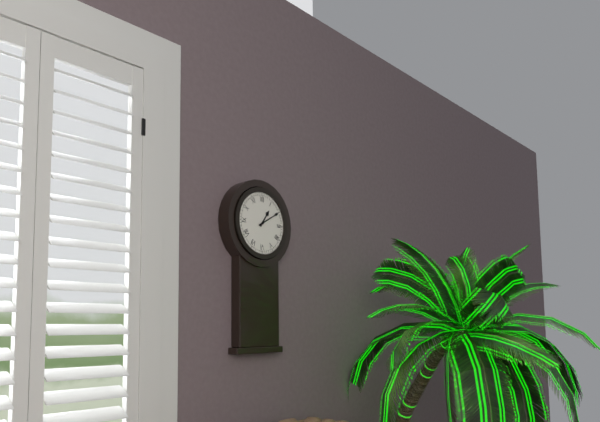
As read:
{"hour": 1, "minute": 10}
